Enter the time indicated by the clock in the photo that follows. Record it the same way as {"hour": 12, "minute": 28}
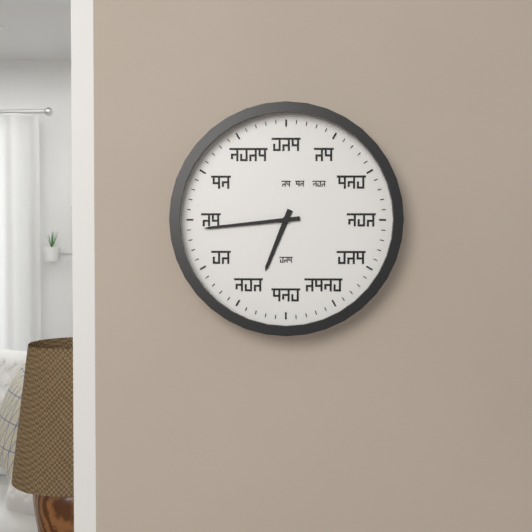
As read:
{"hour": 6, "minute": 44}
